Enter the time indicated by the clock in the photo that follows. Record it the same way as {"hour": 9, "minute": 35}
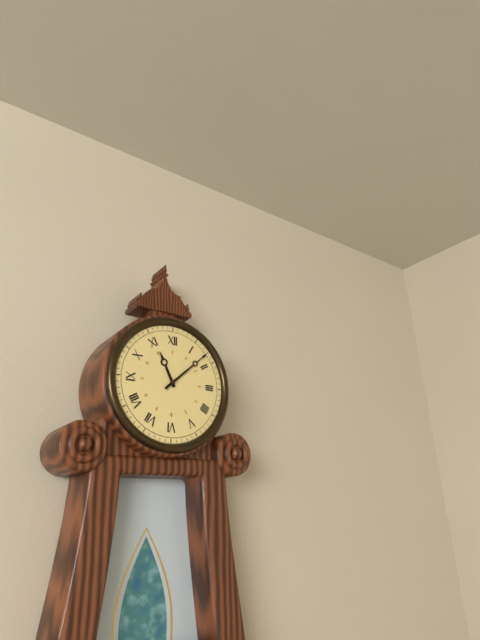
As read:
{"hour": 11, "minute": 8}
